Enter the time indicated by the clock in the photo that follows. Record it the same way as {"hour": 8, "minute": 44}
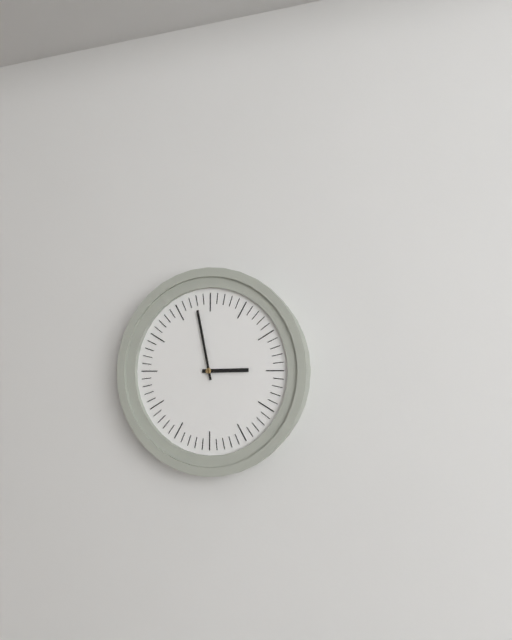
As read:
{"hour": 2, "minute": 58}
